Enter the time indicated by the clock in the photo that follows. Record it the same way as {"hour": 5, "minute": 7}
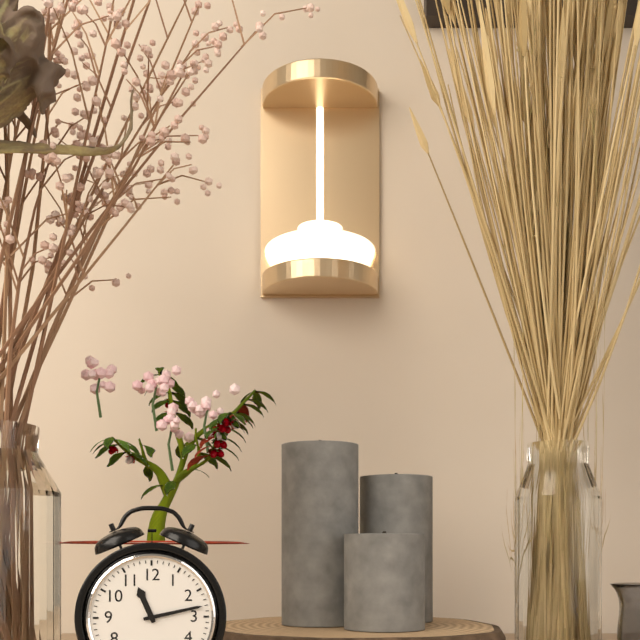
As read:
{"hour": 11, "minute": 13}
